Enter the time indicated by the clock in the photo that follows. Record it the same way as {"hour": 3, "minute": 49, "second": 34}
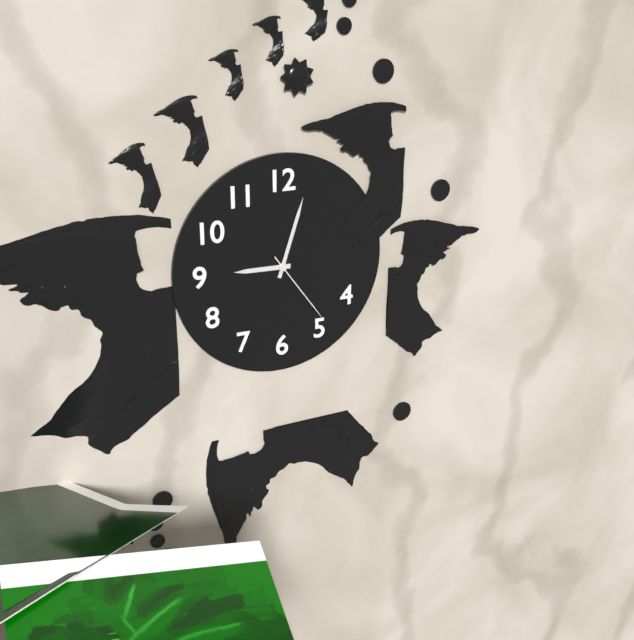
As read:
{"hour": 9, "minute": 3, "second": 24}
